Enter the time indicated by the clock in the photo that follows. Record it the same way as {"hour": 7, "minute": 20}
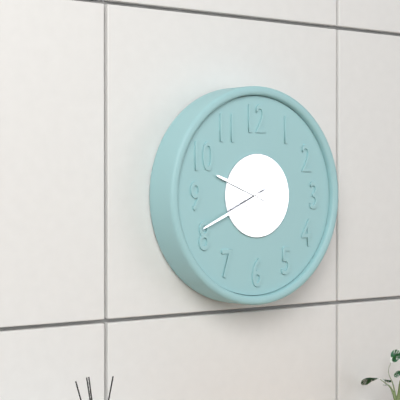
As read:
{"hour": 9, "minute": 41}
